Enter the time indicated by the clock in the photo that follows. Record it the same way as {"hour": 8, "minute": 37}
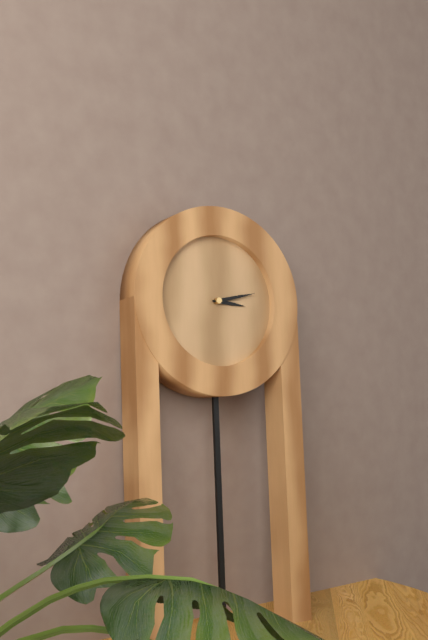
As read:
{"hour": 3, "minute": 13}
